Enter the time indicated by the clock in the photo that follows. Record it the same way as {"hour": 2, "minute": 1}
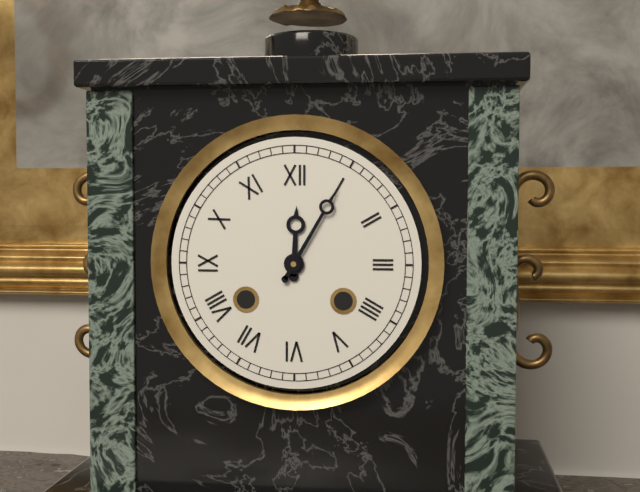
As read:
{"hour": 12, "minute": 5}
